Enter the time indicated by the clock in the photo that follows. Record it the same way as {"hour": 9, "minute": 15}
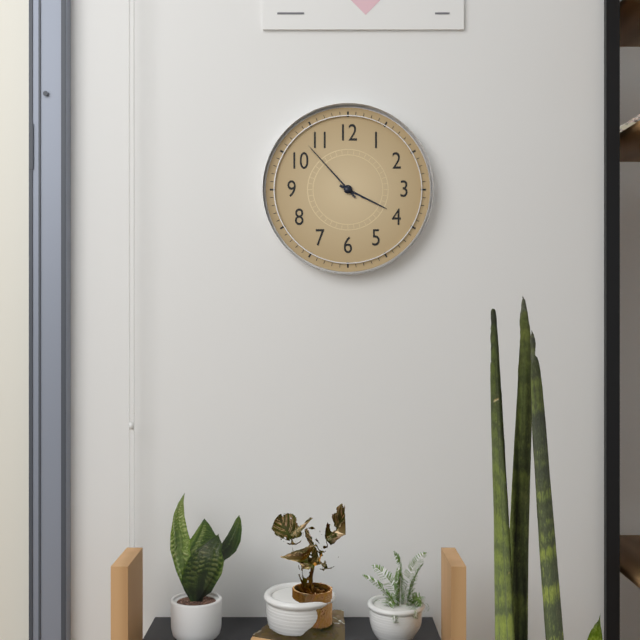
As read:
{"hour": 3, "minute": 53}
